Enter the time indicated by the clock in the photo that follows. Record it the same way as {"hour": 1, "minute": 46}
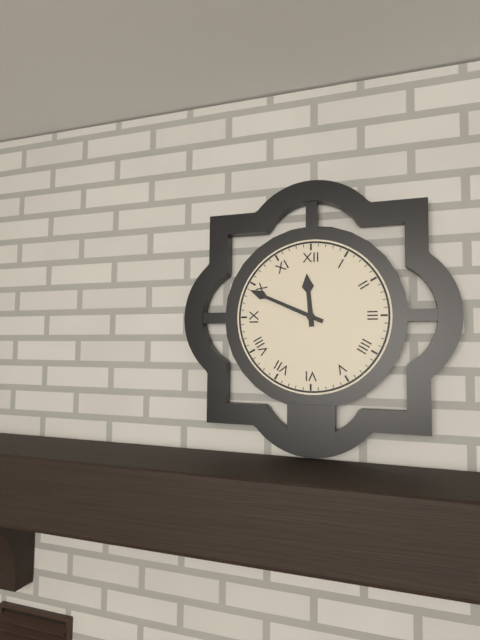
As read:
{"hour": 11, "minute": 49}
